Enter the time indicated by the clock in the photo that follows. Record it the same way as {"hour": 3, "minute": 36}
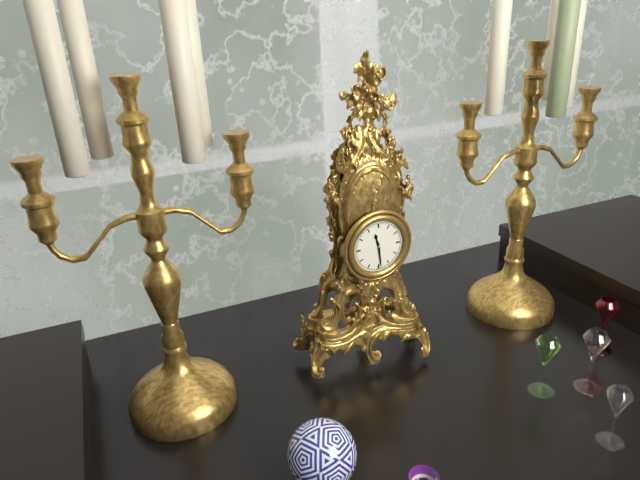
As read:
{"hour": 11, "minute": 29}
